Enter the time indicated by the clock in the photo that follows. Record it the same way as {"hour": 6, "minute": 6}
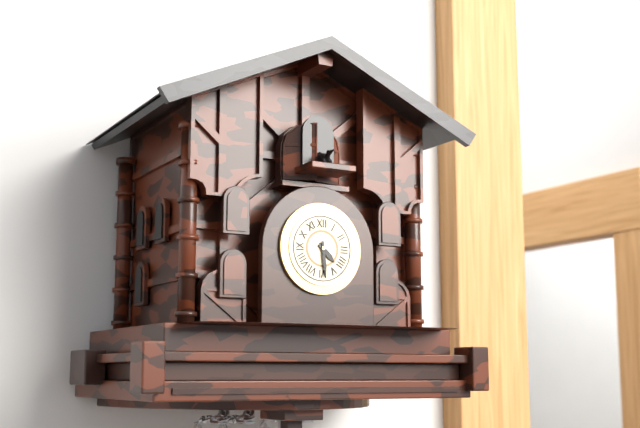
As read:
{"hour": 4, "minute": 29}
